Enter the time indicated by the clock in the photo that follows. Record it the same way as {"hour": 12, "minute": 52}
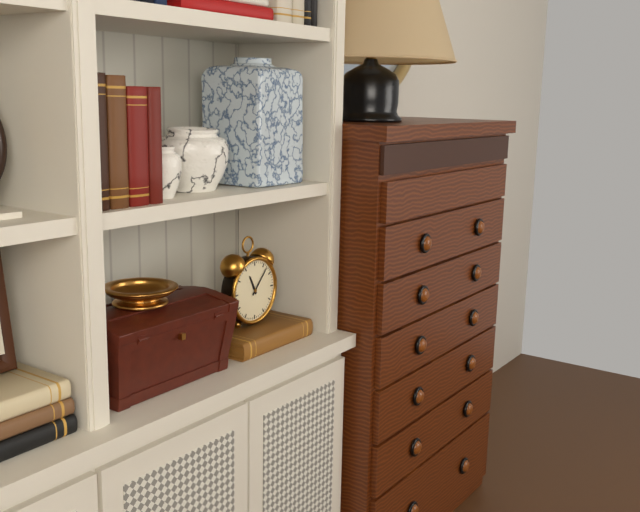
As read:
{"hour": 11, "minute": 7}
